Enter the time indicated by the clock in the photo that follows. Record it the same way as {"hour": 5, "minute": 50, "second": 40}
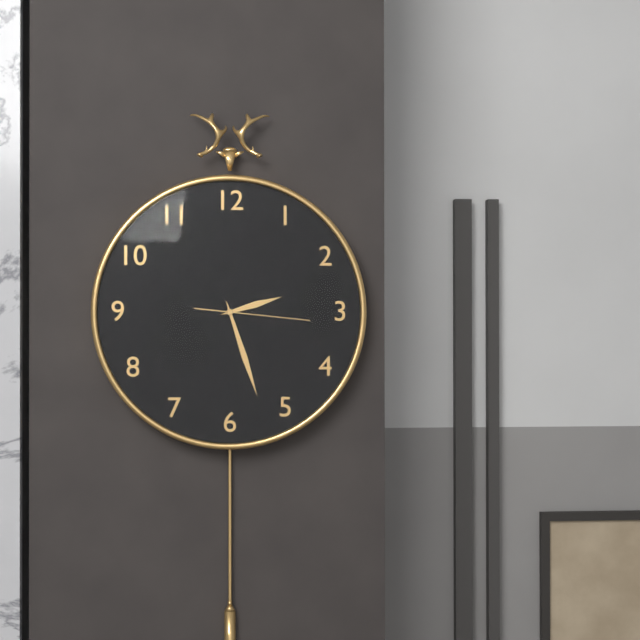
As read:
{"hour": 2, "minute": 27, "second": 16}
